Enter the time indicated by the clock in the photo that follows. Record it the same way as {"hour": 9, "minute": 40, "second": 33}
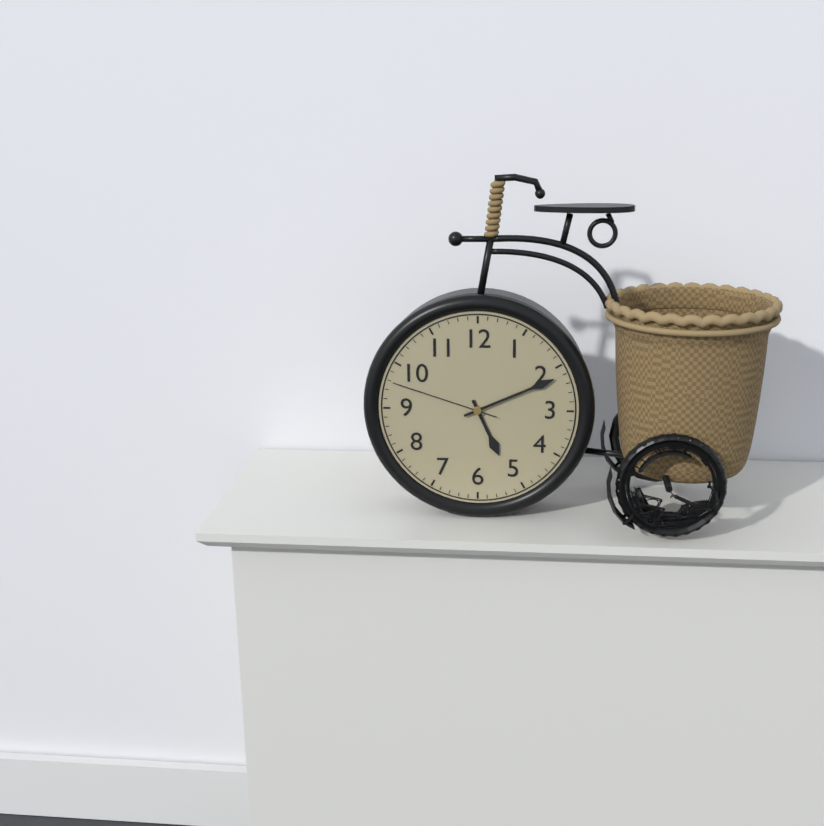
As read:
{"hour": 5, "minute": 11, "second": 48}
